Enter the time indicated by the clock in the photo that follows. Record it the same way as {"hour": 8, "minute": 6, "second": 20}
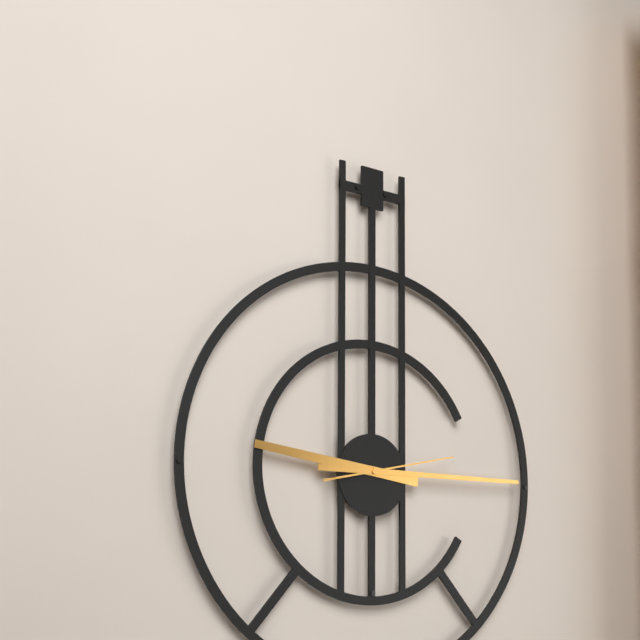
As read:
{"hour": 9, "minute": 15, "second": 13}
